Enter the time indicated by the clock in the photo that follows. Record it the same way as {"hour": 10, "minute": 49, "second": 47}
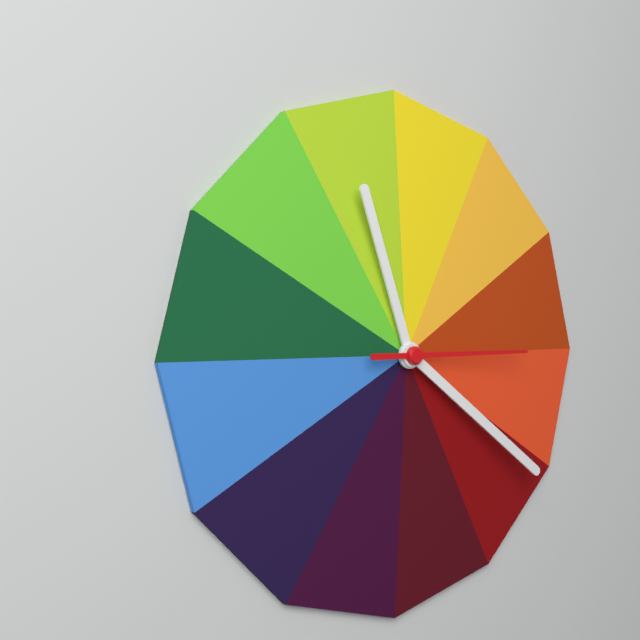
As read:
{"hour": 11, "minute": 21, "second": 15}
